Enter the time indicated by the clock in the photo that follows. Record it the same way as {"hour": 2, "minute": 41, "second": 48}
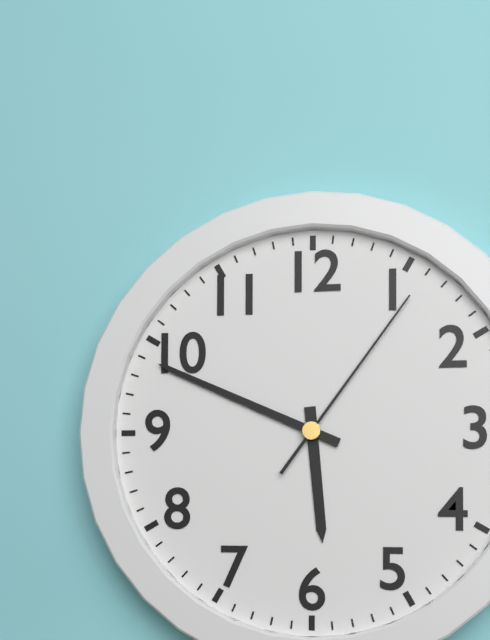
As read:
{"hour": 5, "minute": 49, "second": 6}
